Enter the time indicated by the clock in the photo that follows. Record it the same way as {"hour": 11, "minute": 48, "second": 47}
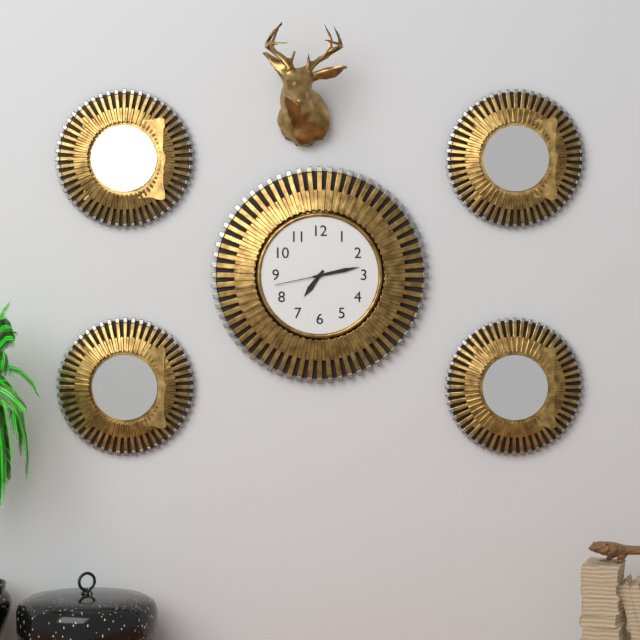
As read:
{"hour": 7, "minute": 13, "second": 43}
